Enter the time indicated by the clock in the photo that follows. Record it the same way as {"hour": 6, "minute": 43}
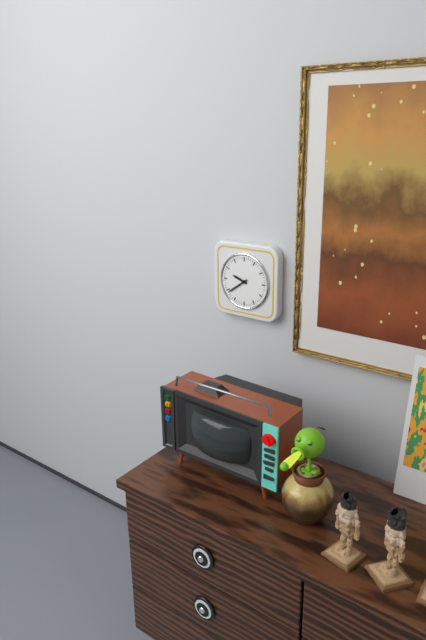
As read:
{"hour": 9, "minute": 39}
